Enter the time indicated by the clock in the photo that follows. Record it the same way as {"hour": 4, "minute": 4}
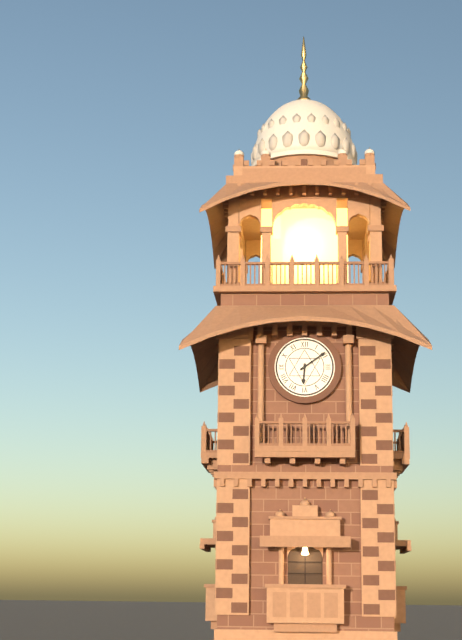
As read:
{"hour": 6, "minute": 9}
